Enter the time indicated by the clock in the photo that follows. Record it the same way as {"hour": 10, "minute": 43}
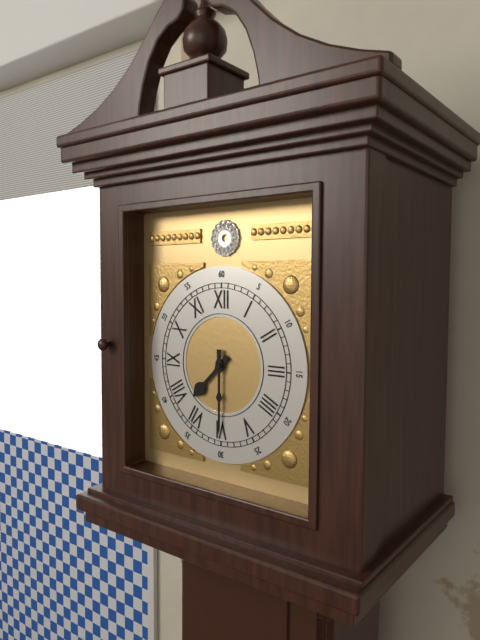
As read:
{"hour": 7, "minute": 30}
